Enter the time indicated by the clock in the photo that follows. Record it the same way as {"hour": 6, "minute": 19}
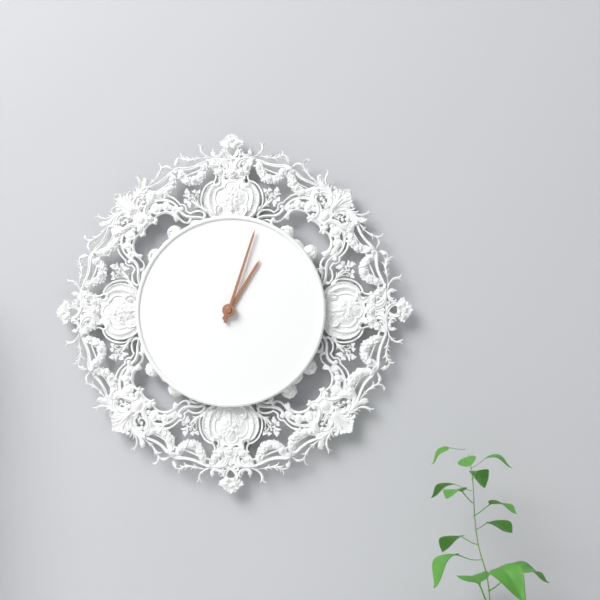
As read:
{"hour": 1, "minute": 3}
